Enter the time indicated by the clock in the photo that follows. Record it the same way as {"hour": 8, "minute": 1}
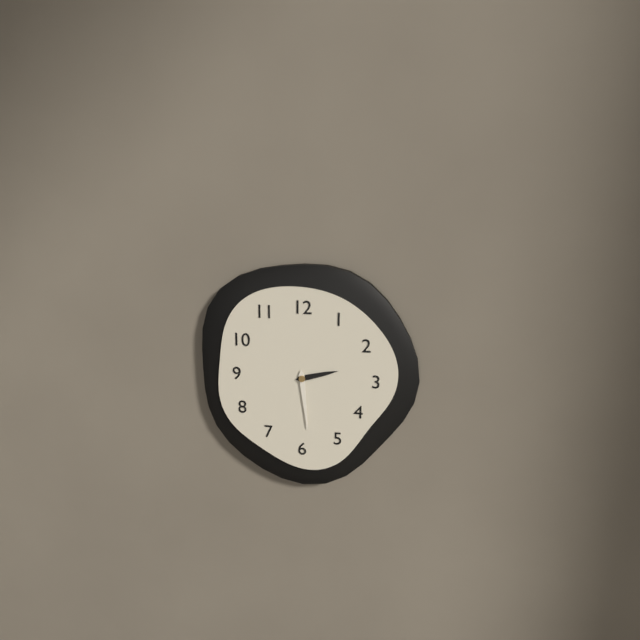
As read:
{"hour": 2, "minute": 29}
